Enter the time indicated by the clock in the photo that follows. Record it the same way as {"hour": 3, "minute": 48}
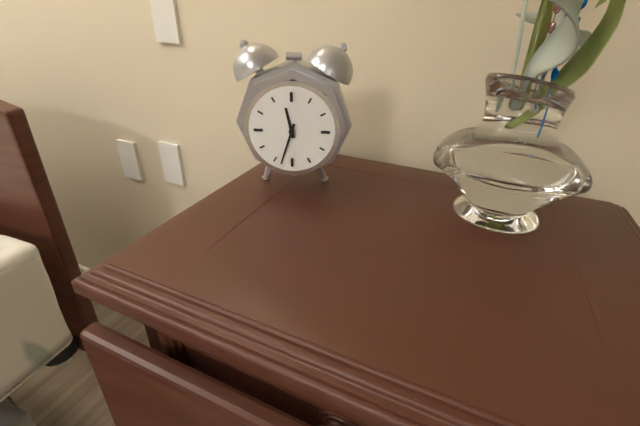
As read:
{"hour": 11, "minute": 33}
